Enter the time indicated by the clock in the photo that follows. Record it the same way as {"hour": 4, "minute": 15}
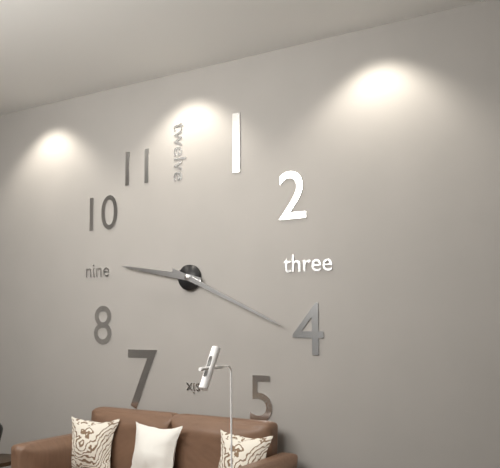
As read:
{"hour": 9, "minute": 19}
